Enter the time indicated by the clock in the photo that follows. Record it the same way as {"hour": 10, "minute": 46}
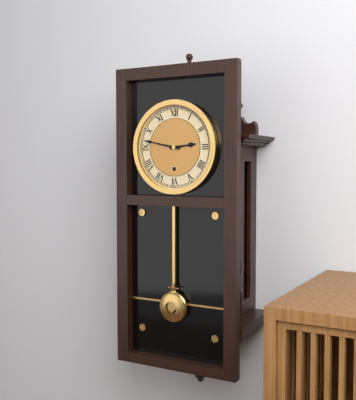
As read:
{"hour": 2, "minute": 47}
